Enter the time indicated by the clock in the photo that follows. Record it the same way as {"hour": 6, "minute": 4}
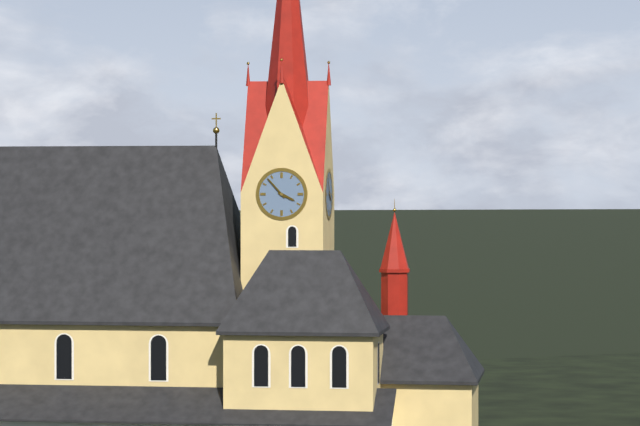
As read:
{"hour": 3, "minute": 53}
